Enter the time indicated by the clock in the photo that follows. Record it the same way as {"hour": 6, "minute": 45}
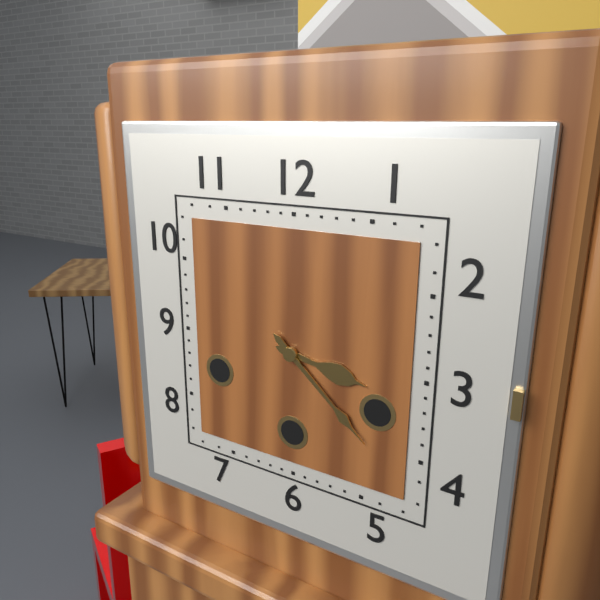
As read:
{"hour": 3, "minute": 22}
